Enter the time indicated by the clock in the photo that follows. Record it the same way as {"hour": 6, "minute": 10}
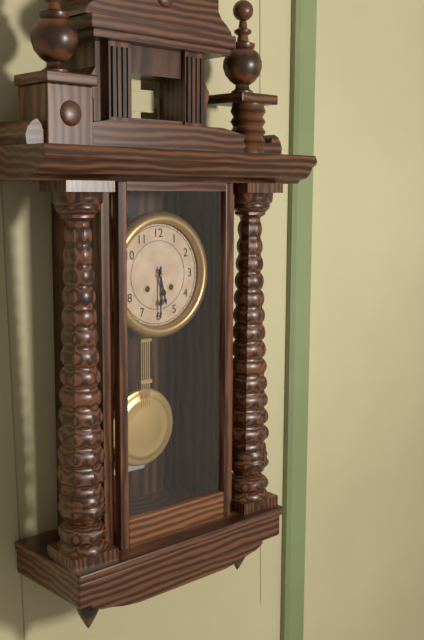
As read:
{"hour": 5, "minute": 30}
